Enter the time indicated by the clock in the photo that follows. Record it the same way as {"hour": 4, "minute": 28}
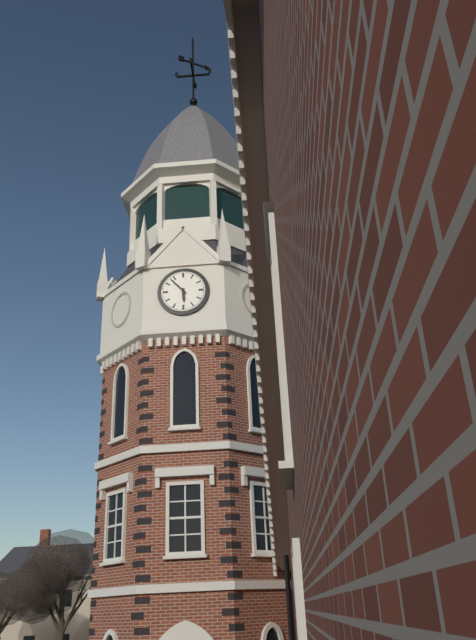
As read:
{"hour": 5, "minute": 53}
